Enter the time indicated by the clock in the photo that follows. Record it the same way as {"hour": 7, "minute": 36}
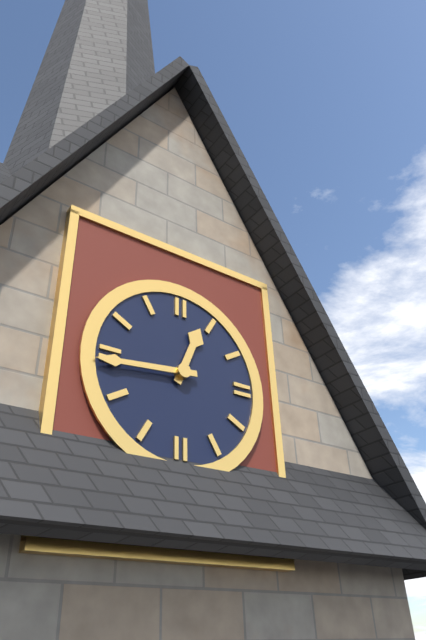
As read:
{"hour": 12, "minute": 44}
